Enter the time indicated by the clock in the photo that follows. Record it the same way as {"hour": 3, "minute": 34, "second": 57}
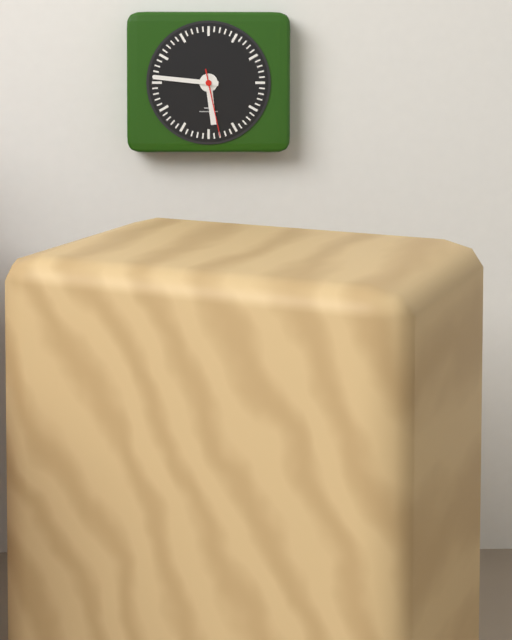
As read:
{"hour": 5, "minute": 46, "second": 28}
